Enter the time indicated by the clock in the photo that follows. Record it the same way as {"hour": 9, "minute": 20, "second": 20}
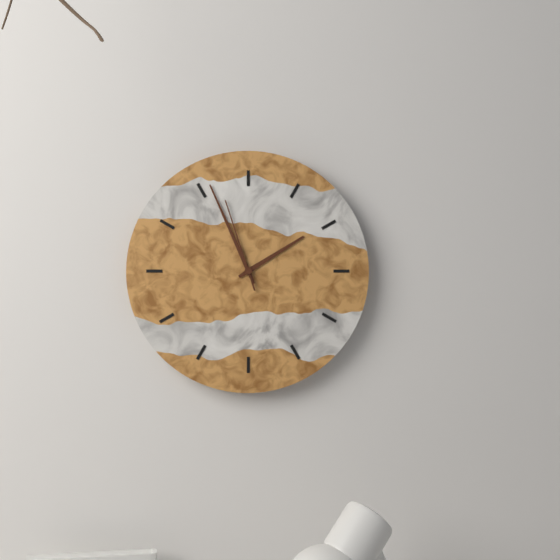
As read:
{"hour": 1, "minute": 56, "second": 57}
